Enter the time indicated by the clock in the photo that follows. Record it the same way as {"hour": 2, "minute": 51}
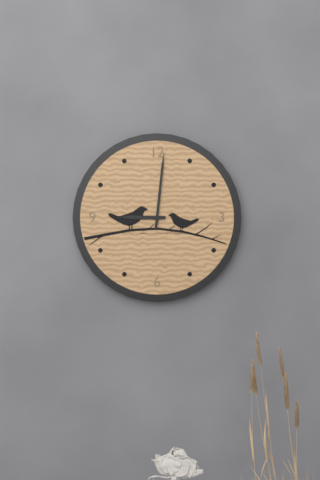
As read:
{"hour": 9, "minute": 1}
